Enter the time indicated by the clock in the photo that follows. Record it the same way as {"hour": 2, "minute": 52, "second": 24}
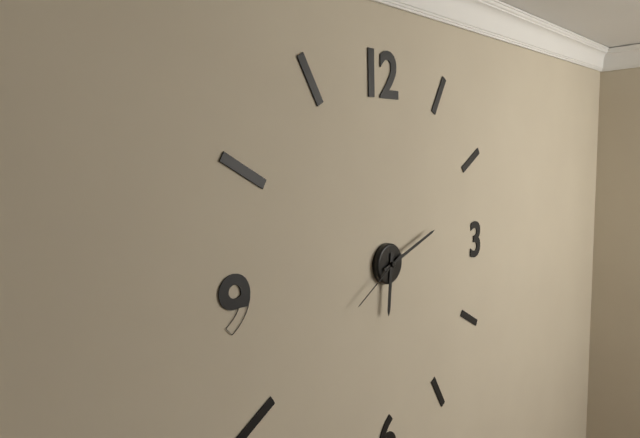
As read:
{"hour": 6, "minute": 12, "second": 40}
